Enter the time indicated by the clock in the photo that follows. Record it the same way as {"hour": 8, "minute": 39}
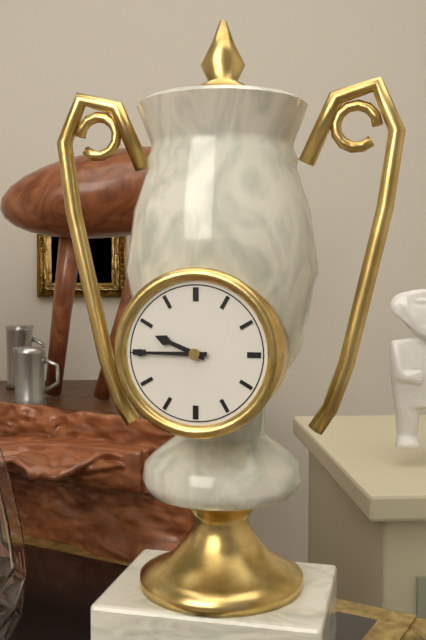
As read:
{"hour": 9, "minute": 45}
